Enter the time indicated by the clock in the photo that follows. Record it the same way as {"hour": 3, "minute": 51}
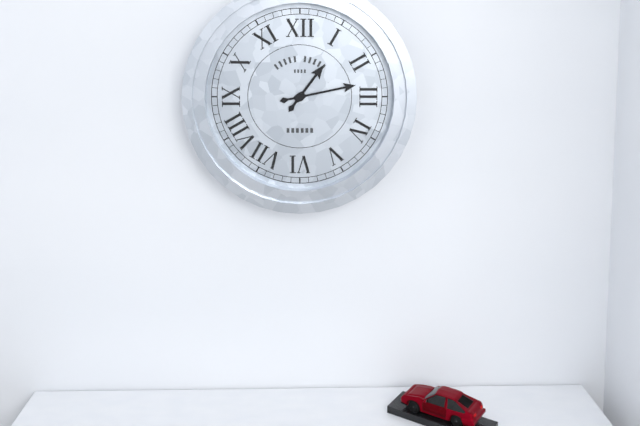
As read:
{"hour": 1, "minute": 13}
